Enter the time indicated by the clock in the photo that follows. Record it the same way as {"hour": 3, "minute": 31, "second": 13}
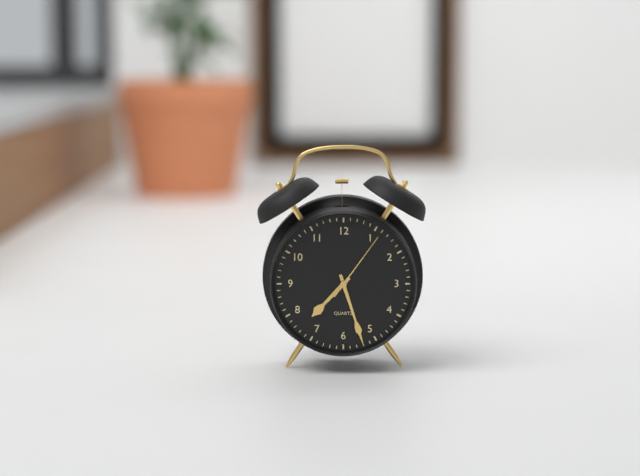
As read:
{"hour": 7, "minute": 27, "second": 6}
